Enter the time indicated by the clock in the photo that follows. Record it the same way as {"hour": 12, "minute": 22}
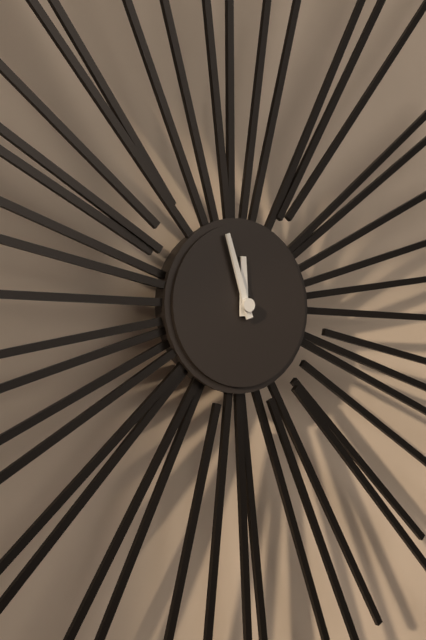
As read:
{"hour": 11, "minute": 57}
